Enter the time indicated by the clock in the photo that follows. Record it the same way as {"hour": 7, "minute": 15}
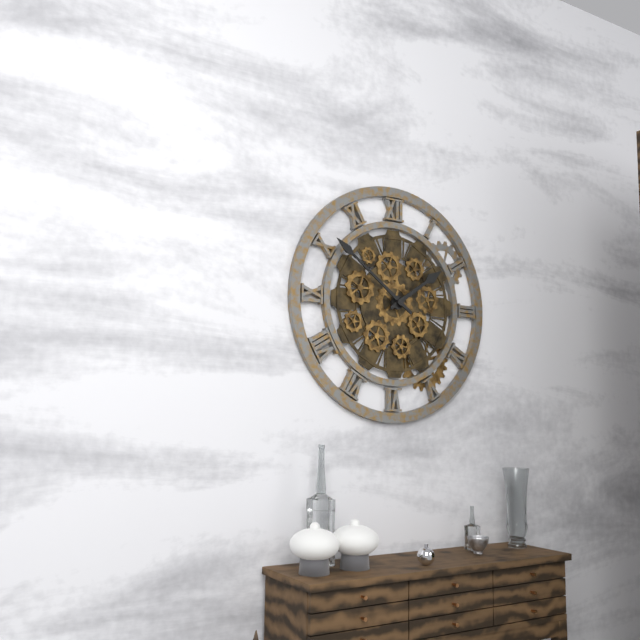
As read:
{"hour": 1, "minute": 51}
